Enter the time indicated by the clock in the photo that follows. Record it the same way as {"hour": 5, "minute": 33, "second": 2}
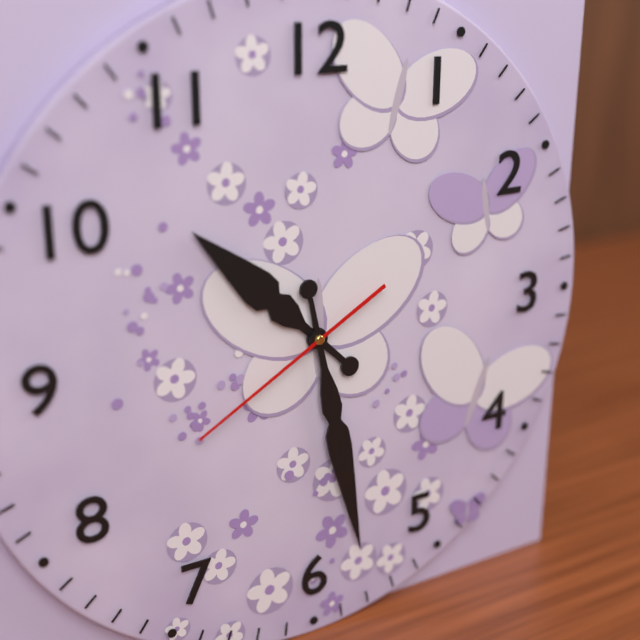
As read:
{"hour": 10, "minute": 28, "second": 40}
